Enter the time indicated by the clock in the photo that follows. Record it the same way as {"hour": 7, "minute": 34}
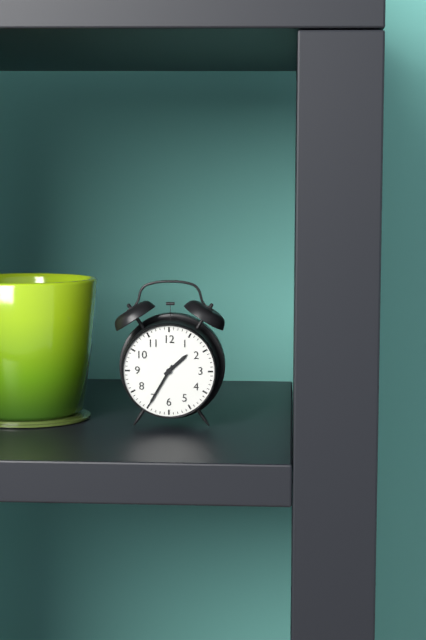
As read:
{"hour": 1, "minute": 35}
